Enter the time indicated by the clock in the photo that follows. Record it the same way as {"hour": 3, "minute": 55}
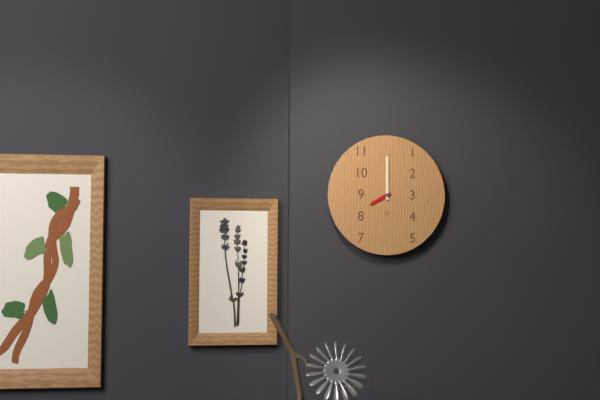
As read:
{"hour": 8, "minute": 0}
